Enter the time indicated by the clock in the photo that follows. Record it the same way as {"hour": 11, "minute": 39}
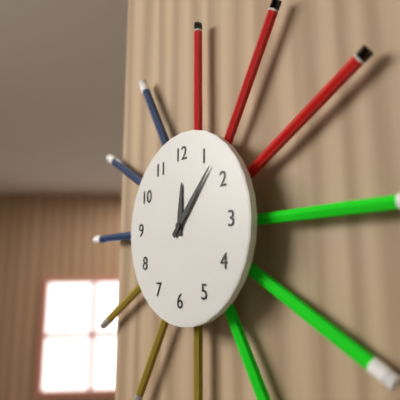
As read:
{"hour": 12, "minute": 7}
